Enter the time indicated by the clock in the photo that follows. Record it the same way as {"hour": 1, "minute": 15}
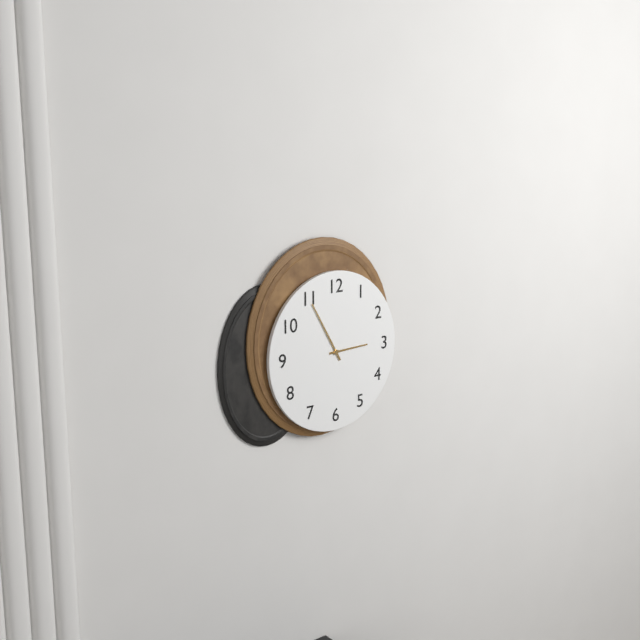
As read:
{"hour": 2, "minute": 55}
